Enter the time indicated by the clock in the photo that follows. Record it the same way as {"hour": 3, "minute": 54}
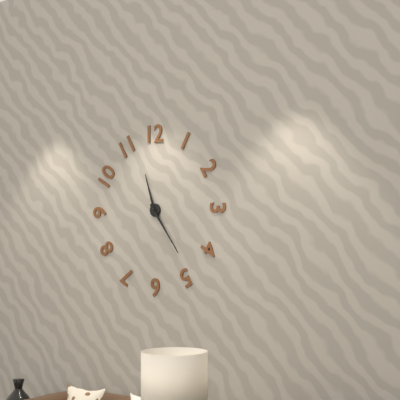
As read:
{"hour": 11, "minute": 24}
